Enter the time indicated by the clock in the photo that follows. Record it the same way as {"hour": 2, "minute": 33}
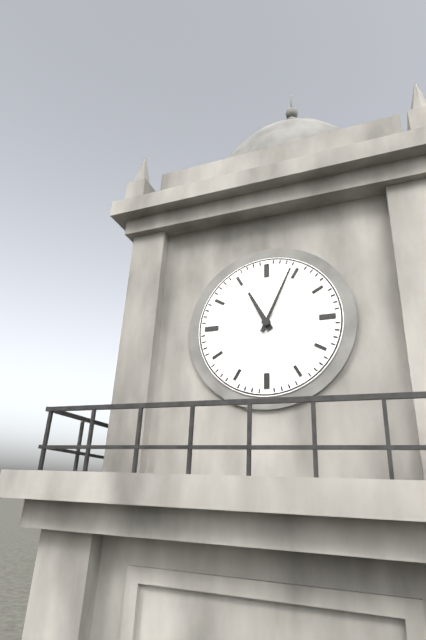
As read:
{"hour": 11, "minute": 4}
